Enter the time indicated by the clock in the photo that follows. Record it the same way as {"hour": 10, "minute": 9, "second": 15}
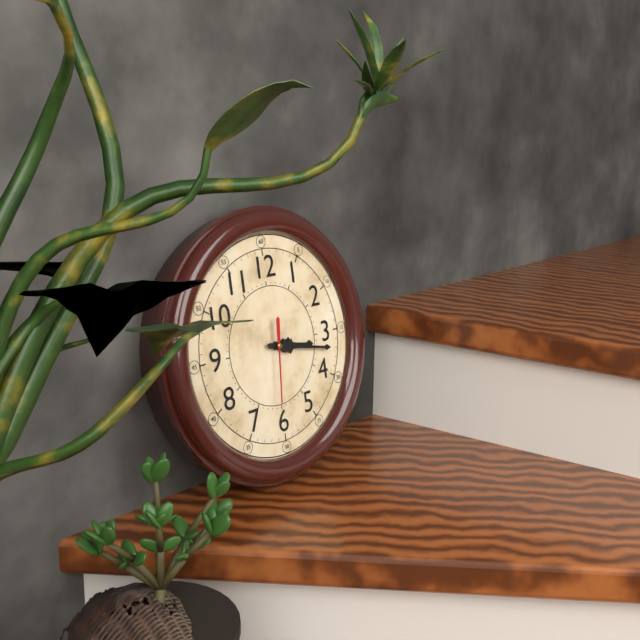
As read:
{"hour": 3, "minute": 17, "second": 31}
